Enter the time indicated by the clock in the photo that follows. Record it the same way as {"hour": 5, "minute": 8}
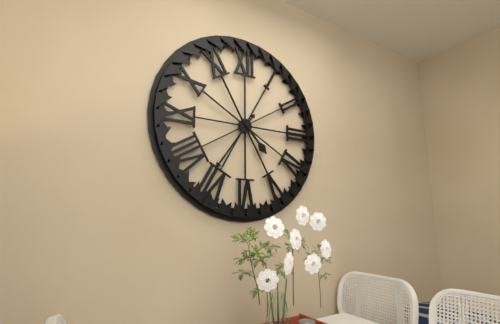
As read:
{"hour": 4, "minute": 36}
